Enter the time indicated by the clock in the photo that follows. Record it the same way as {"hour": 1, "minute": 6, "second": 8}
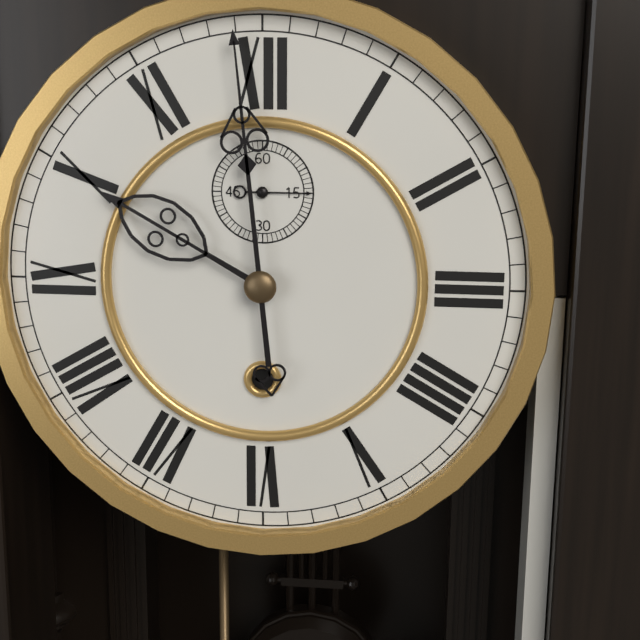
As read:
{"hour": 9, "minute": 59, "second": 15}
